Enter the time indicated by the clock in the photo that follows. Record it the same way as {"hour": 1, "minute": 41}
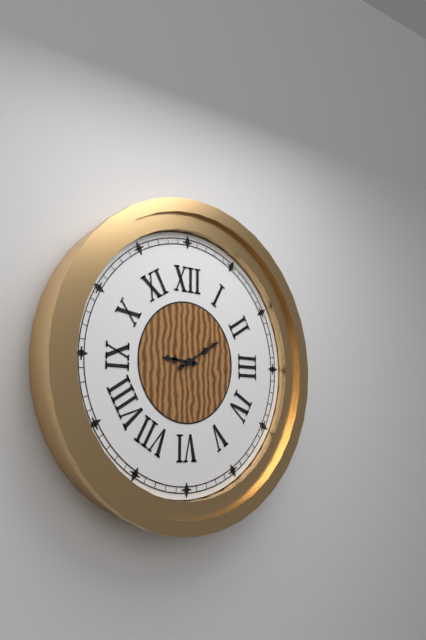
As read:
{"hour": 9, "minute": 10}
